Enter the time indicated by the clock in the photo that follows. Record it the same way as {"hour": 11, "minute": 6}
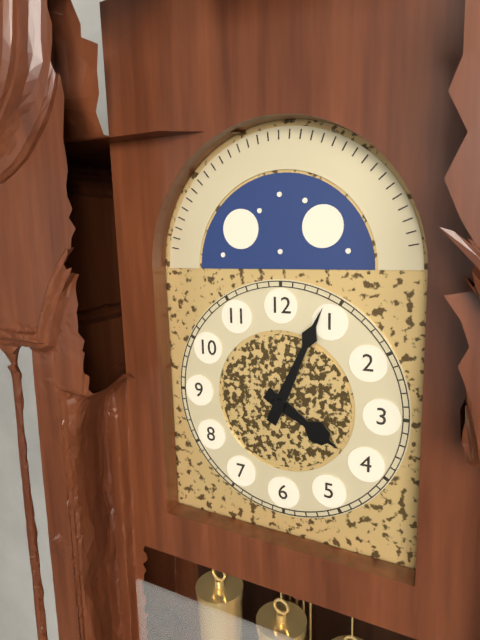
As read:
{"hour": 4, "minute": 4}
